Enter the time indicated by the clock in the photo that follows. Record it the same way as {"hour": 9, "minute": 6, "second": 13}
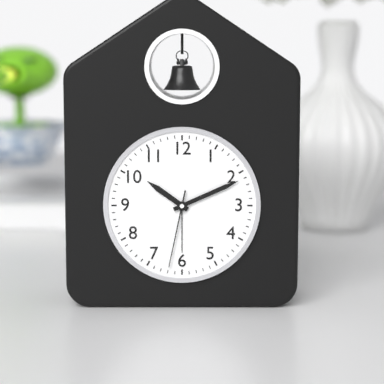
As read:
{"hour": 10, "minute": 11, "second": 32}
